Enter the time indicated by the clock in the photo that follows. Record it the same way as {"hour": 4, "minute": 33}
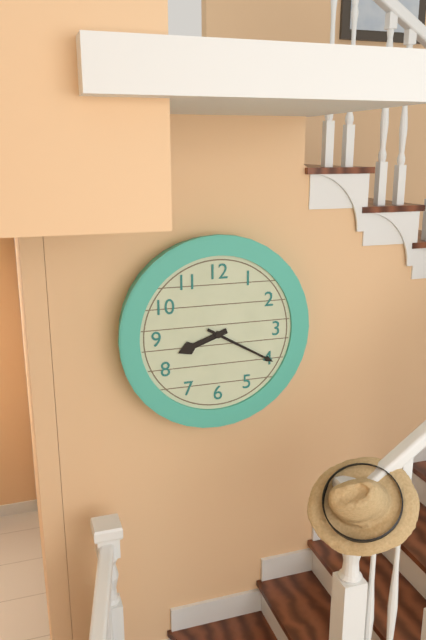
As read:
{"hour": 8, "minute": 20}
